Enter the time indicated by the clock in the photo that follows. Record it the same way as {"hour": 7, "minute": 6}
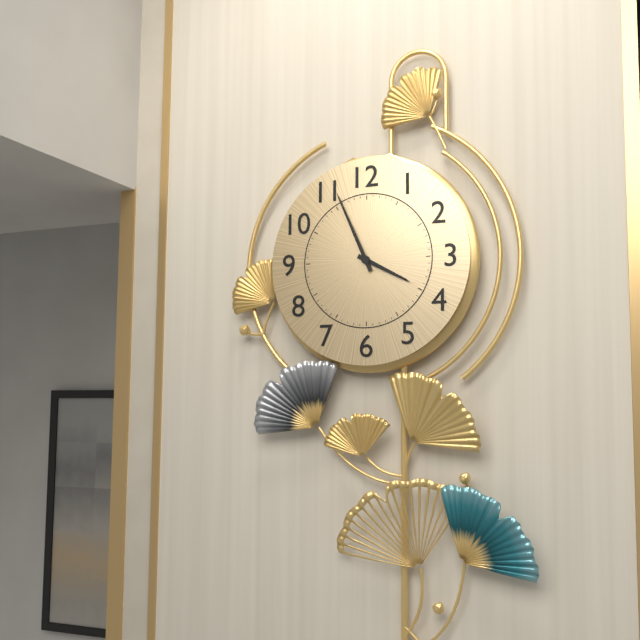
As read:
{"hour": 3, "minute": 56}
